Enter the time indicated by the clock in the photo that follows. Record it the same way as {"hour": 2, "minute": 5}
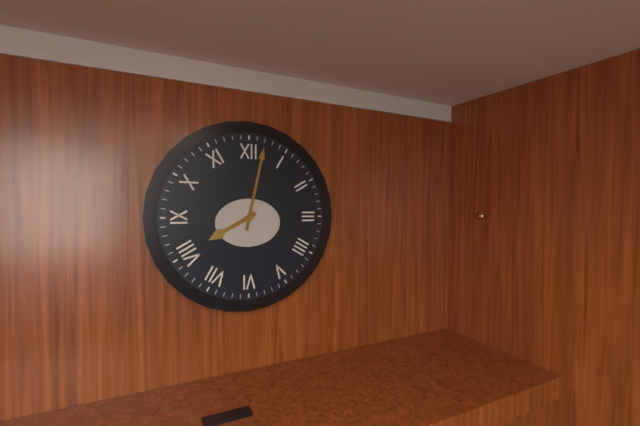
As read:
{"hour": 8, "minute": 2}
